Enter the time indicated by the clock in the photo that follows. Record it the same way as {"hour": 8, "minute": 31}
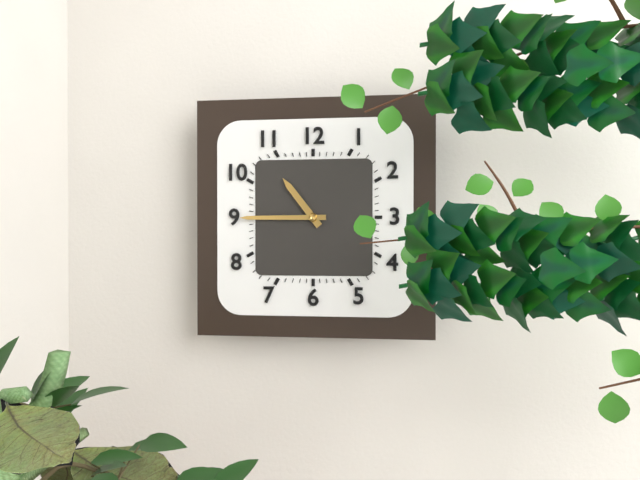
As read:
{"hour": 10, "minute": 45}
